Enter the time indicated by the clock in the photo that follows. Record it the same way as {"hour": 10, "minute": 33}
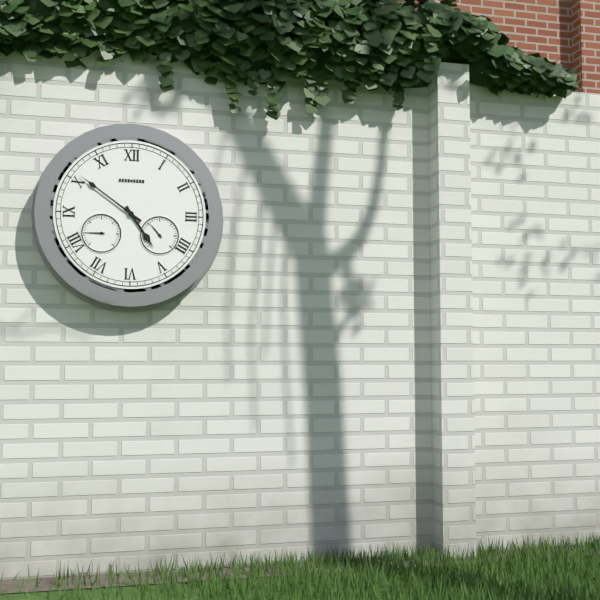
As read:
{"hour": 4, "minute": 51}
